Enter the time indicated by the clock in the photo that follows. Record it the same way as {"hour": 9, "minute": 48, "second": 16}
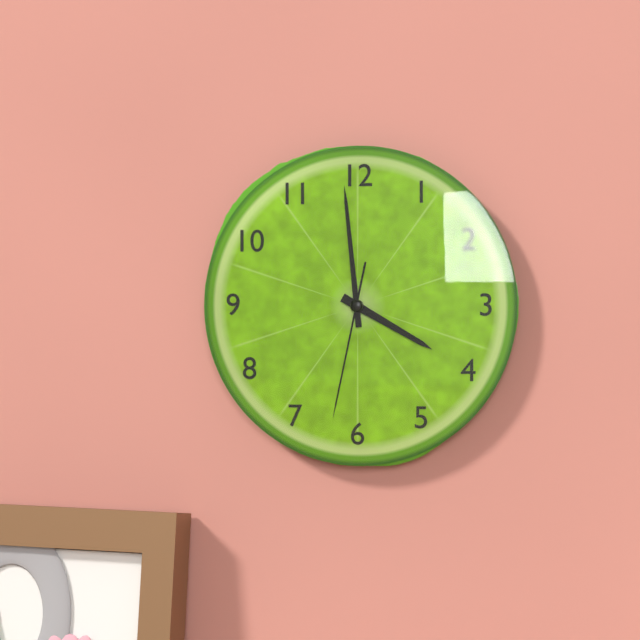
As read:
{"hour": 3, "minute": 59, "second": 32}
